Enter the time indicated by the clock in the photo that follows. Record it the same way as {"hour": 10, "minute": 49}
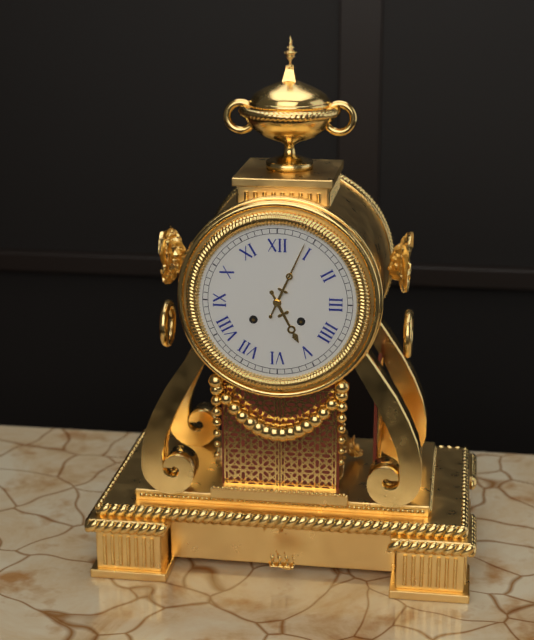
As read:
{"hour": 5, "minute": 4}
